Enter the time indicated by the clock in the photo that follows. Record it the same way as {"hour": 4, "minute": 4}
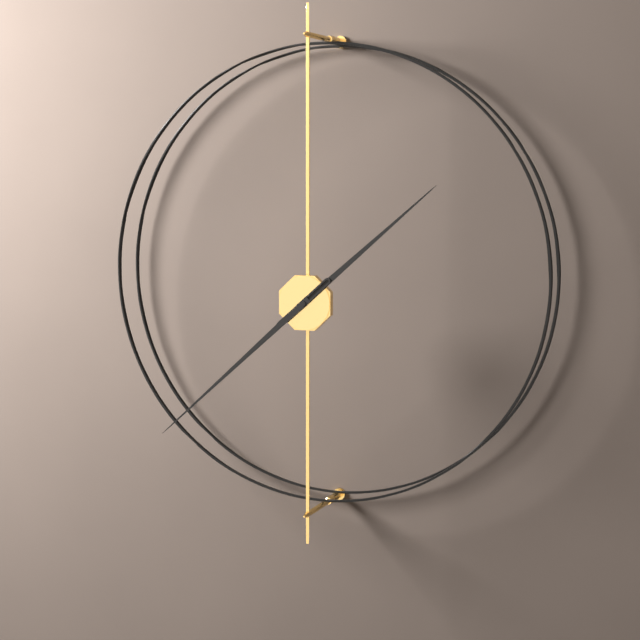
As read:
{"hour": 1, "minute": 38}
